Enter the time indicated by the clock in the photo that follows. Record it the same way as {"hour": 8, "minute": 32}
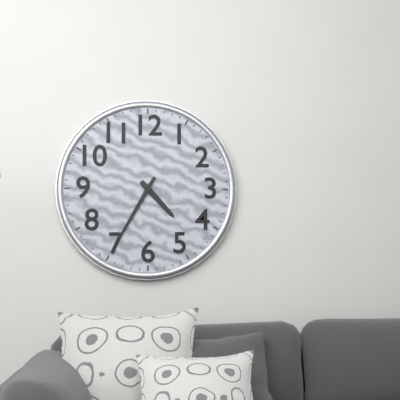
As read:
{"hour": 4, "minute": 35}
